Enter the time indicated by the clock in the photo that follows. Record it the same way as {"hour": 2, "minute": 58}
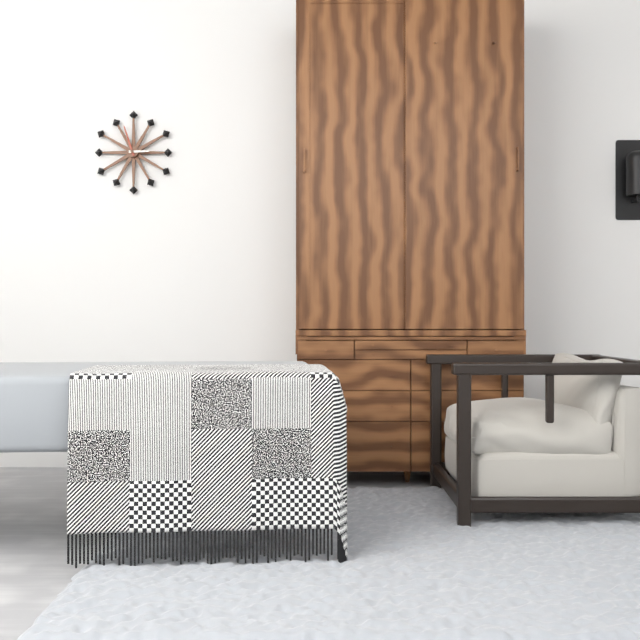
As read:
{"hour": 2, "minute": 57}
